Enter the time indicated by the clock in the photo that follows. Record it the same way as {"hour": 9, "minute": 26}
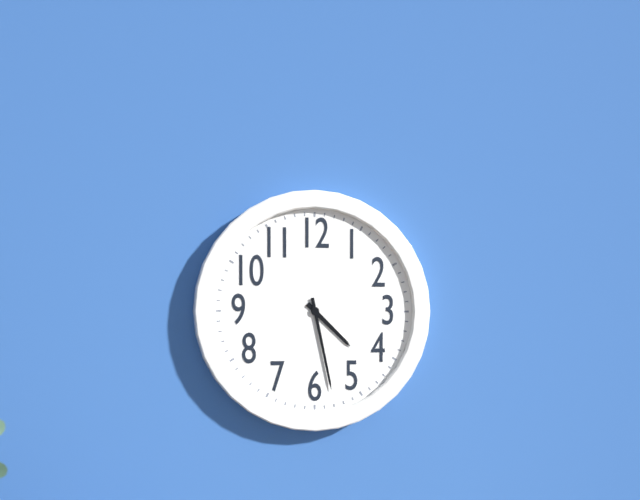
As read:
{"hour": 4, "minute": 28}
